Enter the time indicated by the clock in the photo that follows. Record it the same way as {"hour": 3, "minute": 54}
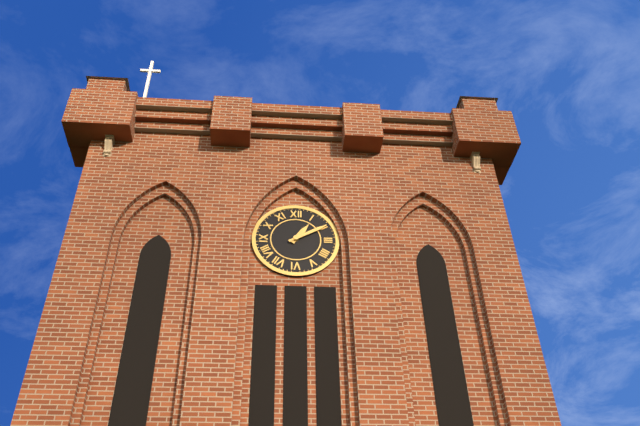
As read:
{"hour": 1, "minute": 10}
